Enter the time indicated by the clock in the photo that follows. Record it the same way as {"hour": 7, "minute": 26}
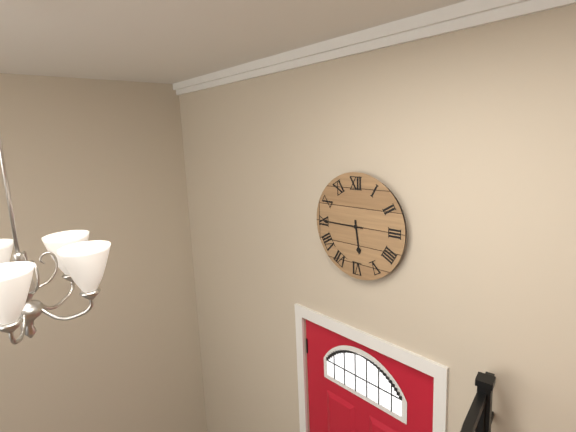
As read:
{"hour": 5, "minute": 45}
